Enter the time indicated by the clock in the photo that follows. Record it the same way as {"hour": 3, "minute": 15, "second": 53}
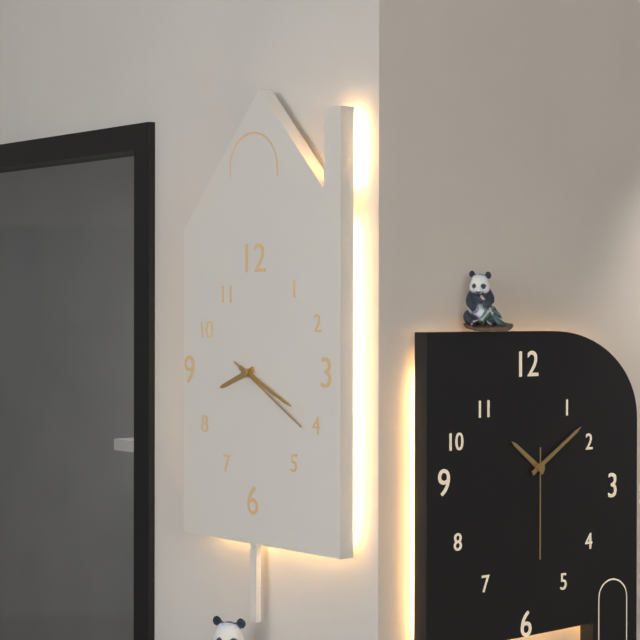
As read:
{"hour": 8, "minute": 19, "second": 20}
